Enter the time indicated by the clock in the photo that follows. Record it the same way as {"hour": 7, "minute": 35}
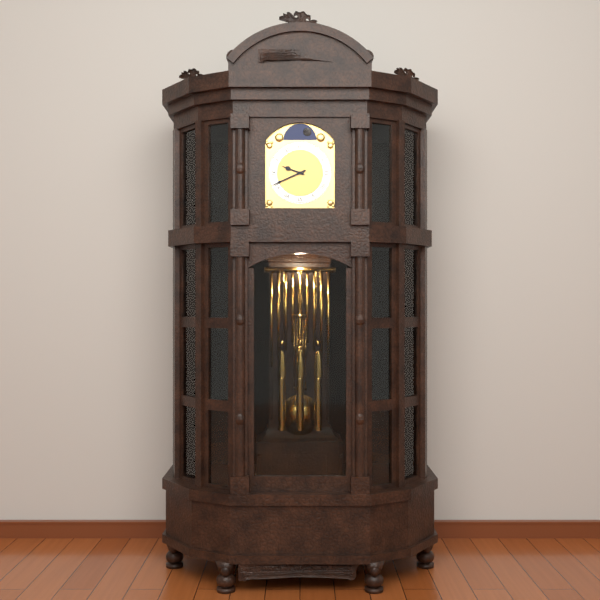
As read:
{"hour": 9, "minute": 41}
